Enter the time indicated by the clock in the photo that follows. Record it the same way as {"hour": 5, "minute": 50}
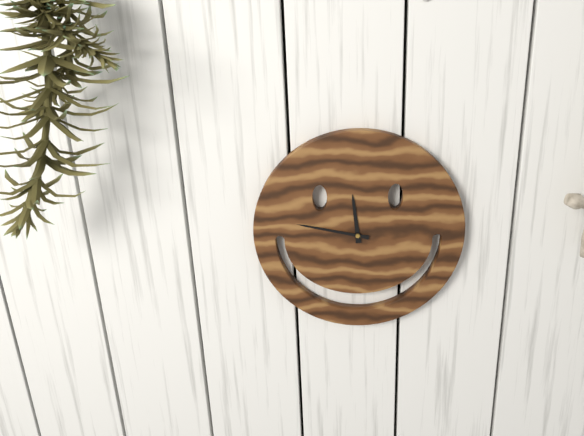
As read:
{"hour": 11, "minute": 47}
